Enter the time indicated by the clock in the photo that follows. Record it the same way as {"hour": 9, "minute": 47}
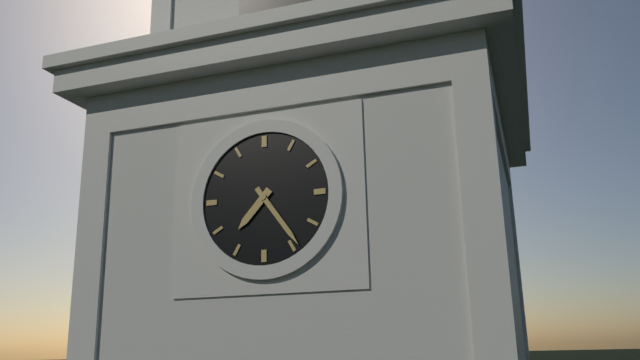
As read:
{"hour": 7, "minute": 24}
